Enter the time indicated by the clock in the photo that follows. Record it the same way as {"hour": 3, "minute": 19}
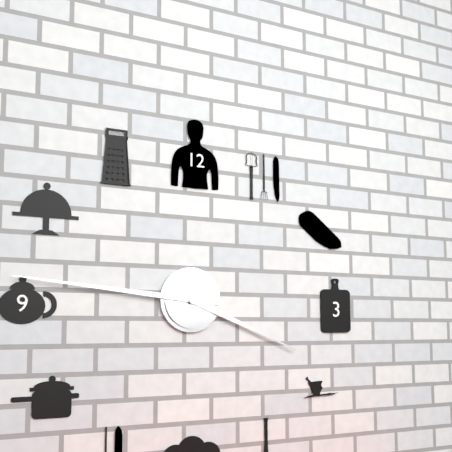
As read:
{"hour": 3, "minute": 46}
